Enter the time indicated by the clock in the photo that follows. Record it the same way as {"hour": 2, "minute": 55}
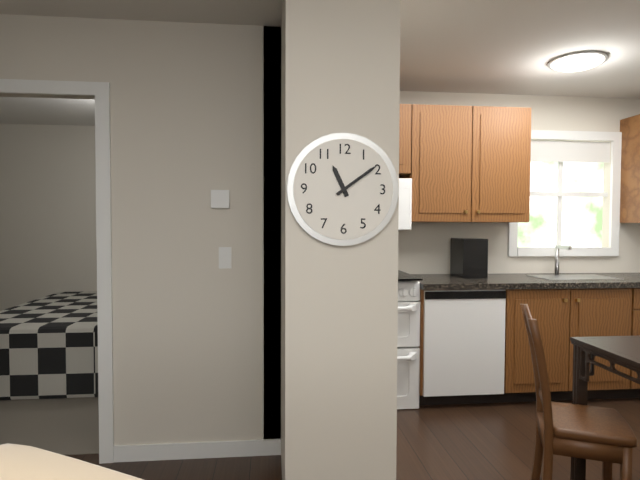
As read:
{"hour": 11, "minute": 9}
